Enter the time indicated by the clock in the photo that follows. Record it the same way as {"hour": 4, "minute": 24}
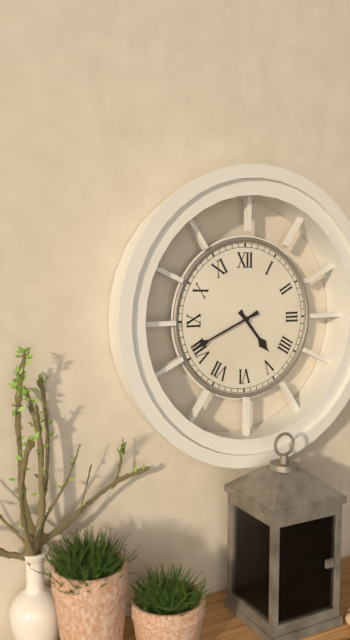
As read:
{"hour": 4, "minute": 41}
